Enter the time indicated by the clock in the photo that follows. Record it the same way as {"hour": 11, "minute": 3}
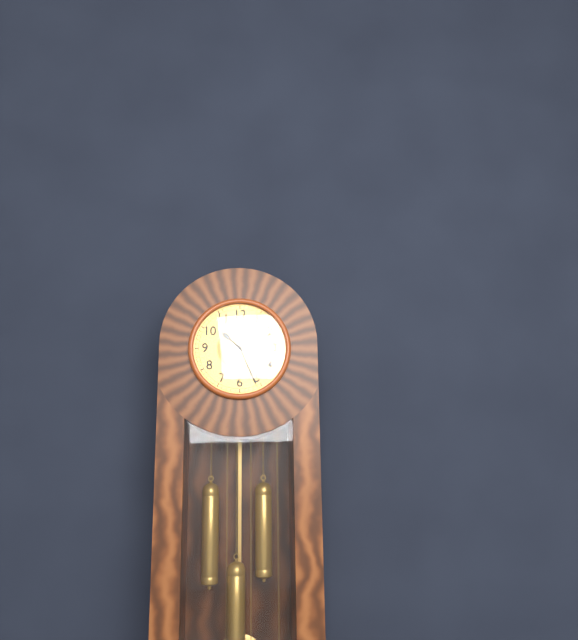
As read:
{"hour": 10, "minute": 26}
